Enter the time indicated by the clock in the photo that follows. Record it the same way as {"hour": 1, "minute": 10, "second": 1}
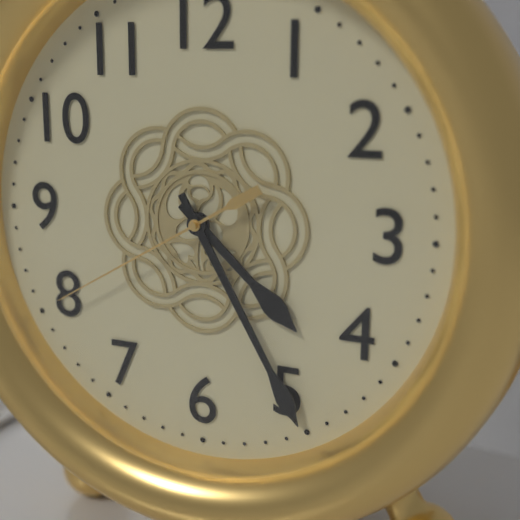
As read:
{"hour": 4, "minute": 25, "second": 40}
